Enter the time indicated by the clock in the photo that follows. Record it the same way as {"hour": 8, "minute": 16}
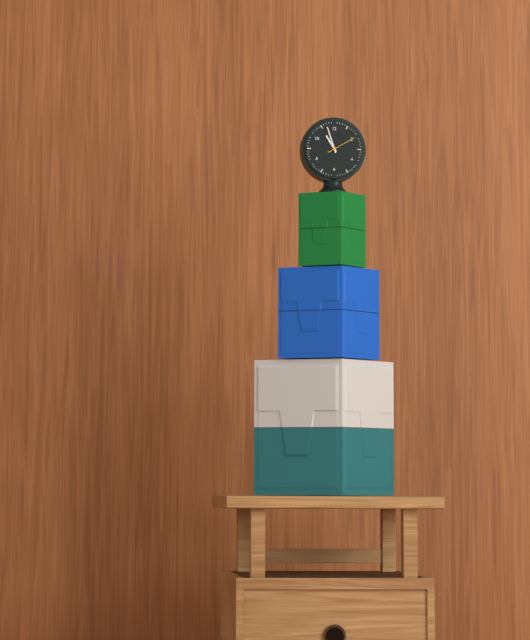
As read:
{"hour": 10, "minute": 57}
